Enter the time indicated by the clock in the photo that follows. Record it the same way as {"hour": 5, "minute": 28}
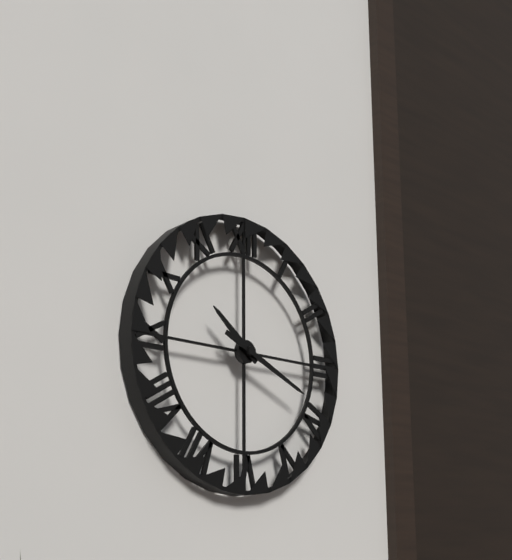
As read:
{"hour": 10, "minute": 19}
